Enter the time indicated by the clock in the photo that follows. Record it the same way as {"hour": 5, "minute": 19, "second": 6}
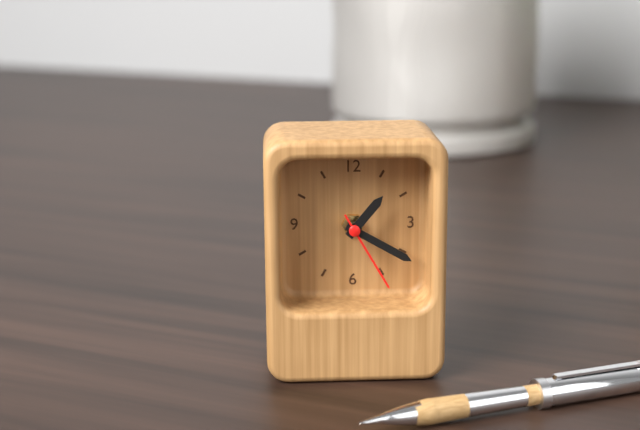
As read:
{"hour": 1, "minute": 20, "second": 25}
